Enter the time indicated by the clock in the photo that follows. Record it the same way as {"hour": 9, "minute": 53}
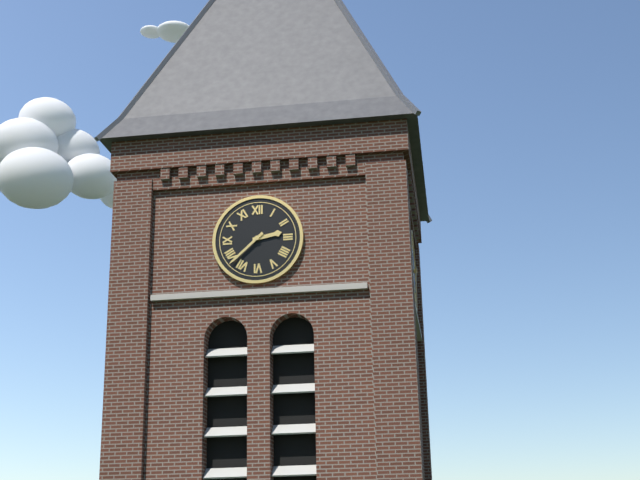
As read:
{"hour": 2, "minute": 38}
